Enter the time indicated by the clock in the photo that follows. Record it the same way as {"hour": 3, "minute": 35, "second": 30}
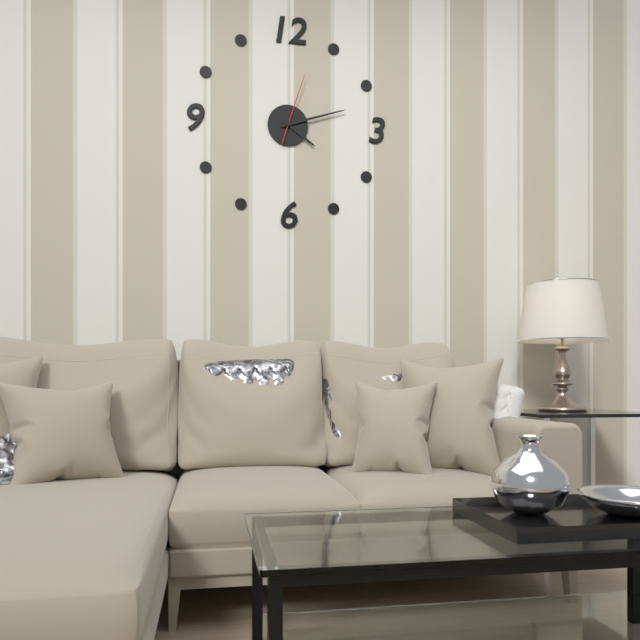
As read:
{"hour": 4, "minute": 12, "second": 3}
